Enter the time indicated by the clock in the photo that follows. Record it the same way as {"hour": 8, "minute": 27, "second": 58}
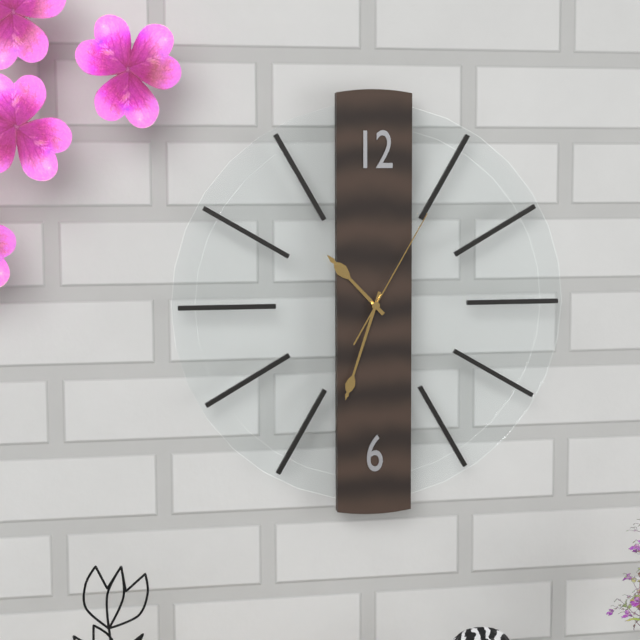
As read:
{"hour": 10, "minute": 33, "second": 5}
